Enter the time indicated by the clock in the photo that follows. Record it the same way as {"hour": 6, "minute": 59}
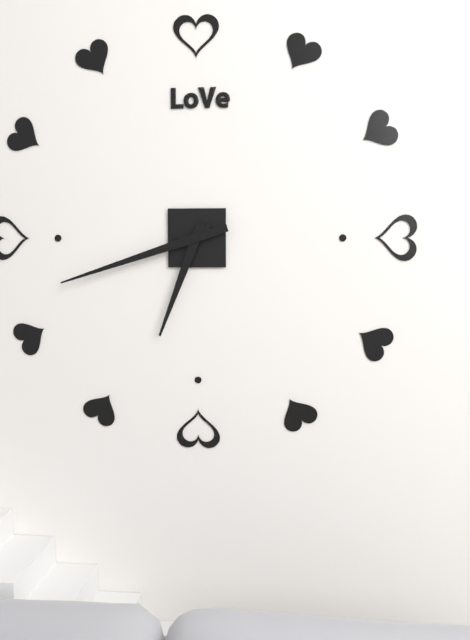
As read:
{"hour": 6, "minute": 42}
